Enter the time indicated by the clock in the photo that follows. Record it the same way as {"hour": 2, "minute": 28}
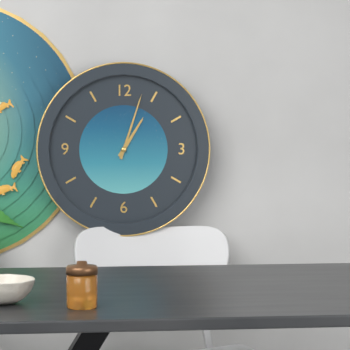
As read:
{"hour": 1, "minute": 3}
